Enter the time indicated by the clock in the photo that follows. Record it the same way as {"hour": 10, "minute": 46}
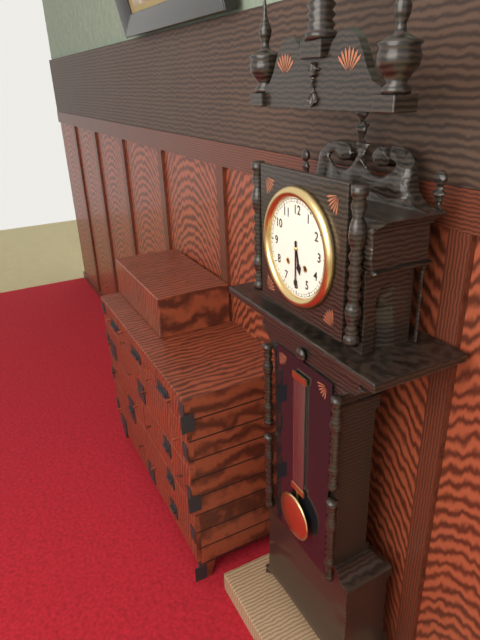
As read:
{"hour": 5, "minute": 30}
